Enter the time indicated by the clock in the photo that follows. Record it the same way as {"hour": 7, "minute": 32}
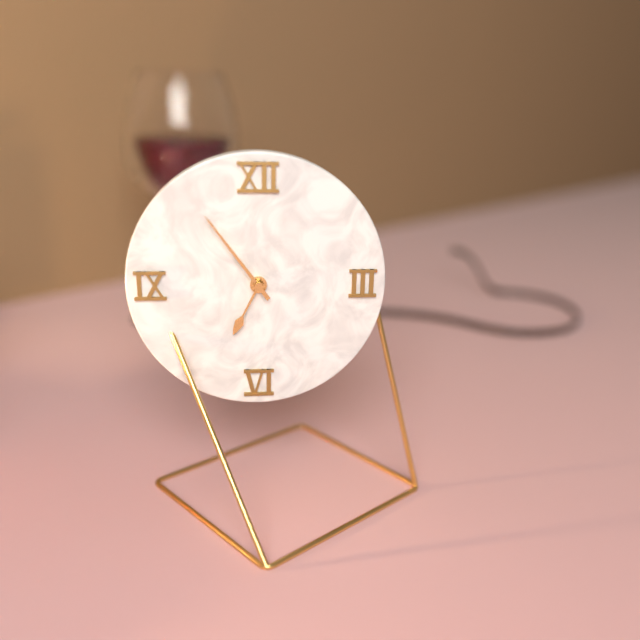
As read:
{"hour": 6, "minute": 54}
